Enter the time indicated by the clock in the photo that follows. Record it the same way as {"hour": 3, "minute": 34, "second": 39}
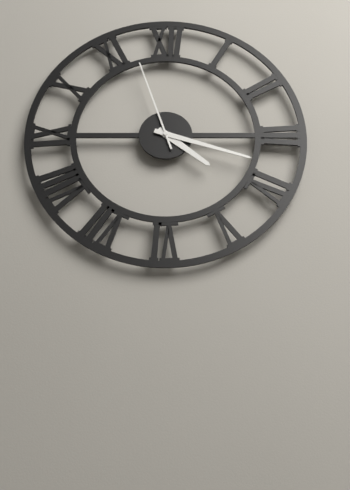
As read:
{"hour": 4, "minute": 18, "second": 57}
